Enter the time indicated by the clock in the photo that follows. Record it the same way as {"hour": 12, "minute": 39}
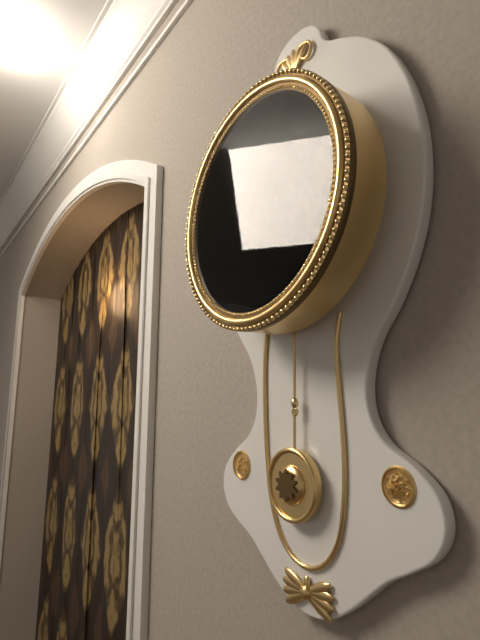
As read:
{"hour": 6, "minute": 40}
